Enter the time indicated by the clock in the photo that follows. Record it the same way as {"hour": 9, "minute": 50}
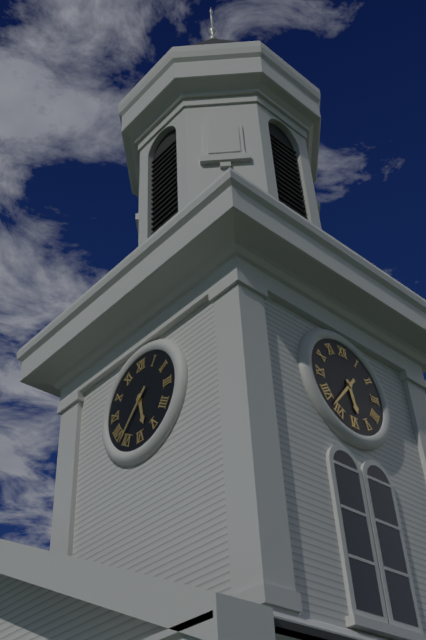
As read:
{"hour": 5, "minute": 37}
